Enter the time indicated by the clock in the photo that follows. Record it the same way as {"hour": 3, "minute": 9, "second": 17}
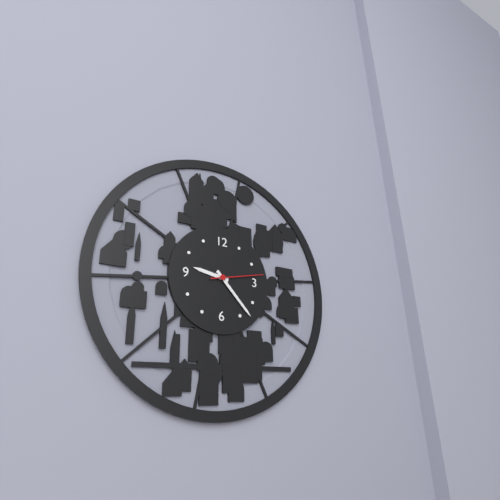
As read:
{"hour": 9, "minute": 23, "second": 13}
